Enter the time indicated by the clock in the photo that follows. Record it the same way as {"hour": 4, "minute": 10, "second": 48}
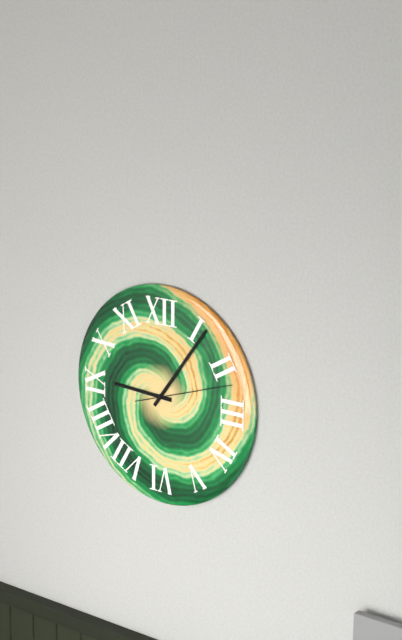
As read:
{"hour": 9, "minute": 6, "second": 12}
